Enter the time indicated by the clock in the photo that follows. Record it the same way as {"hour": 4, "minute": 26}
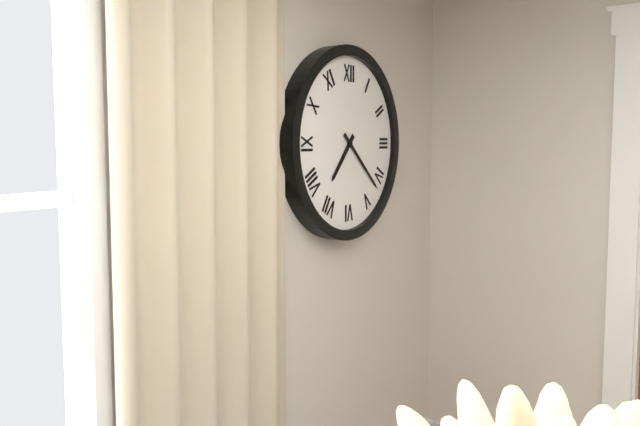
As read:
{"hour": 7, "minute": 22}
